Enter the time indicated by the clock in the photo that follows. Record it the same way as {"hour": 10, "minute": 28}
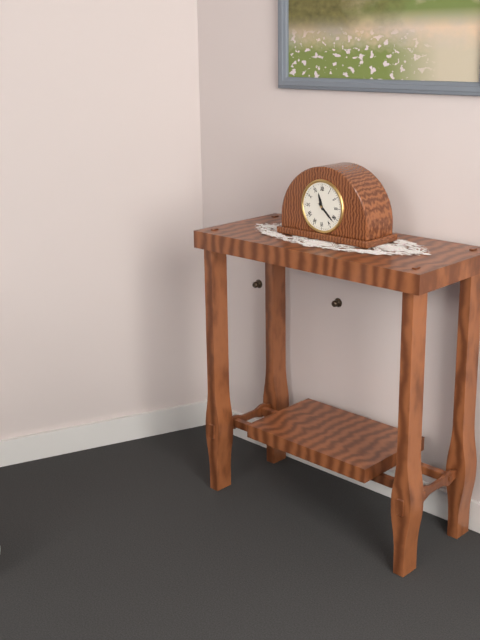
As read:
{"hour": 11, "minute": 22}
